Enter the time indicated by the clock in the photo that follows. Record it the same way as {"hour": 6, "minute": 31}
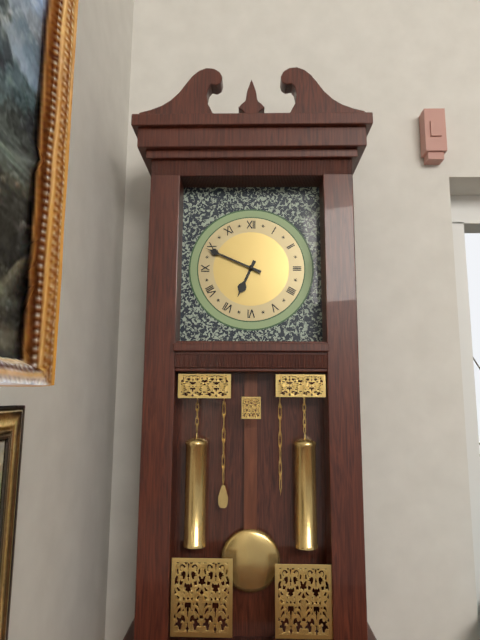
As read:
{"hour": 6, "minute": 49}
